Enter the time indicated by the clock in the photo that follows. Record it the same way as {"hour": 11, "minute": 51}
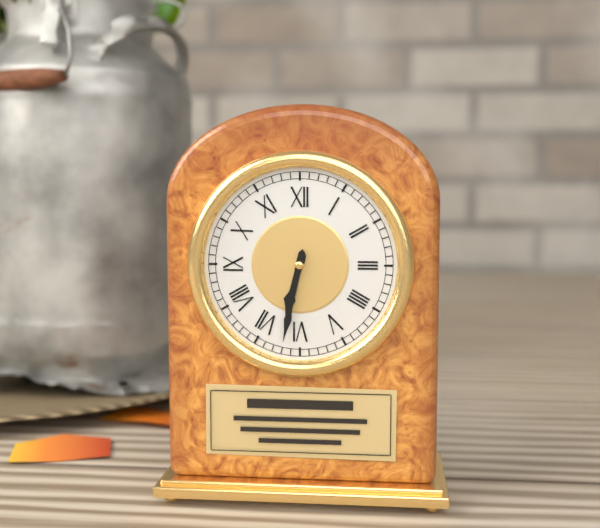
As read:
{"hour": 6, "minute": 32}
